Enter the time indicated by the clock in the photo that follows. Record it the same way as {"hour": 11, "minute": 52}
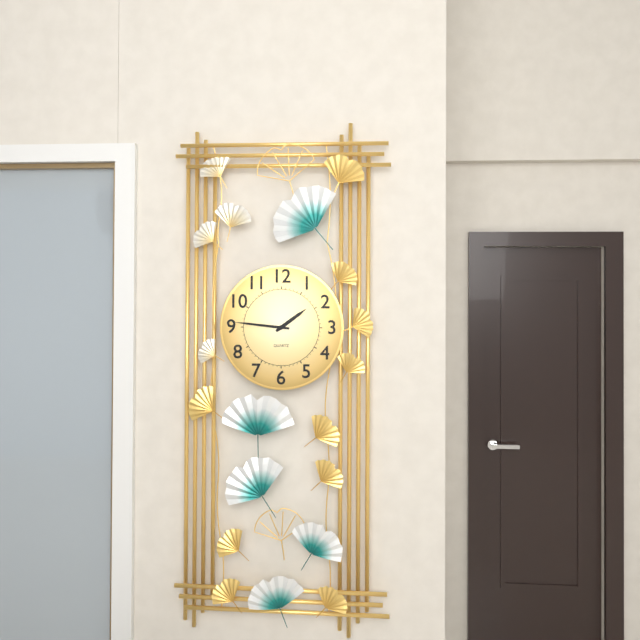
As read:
{"hour": 1, "minute": 46}
